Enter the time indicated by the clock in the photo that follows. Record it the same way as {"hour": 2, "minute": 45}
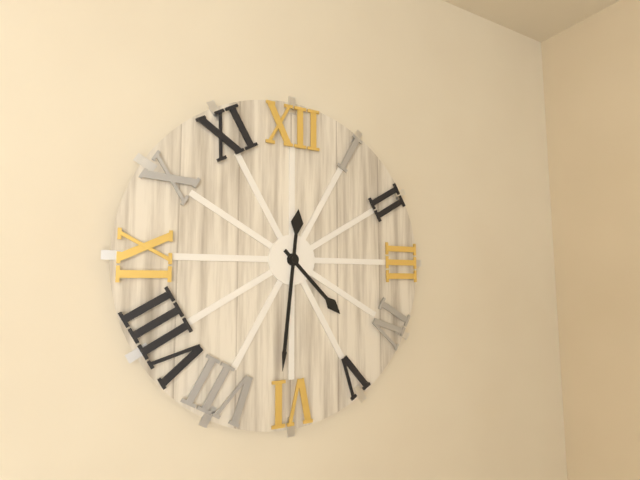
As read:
{"hour": 4, "minute": 31}
